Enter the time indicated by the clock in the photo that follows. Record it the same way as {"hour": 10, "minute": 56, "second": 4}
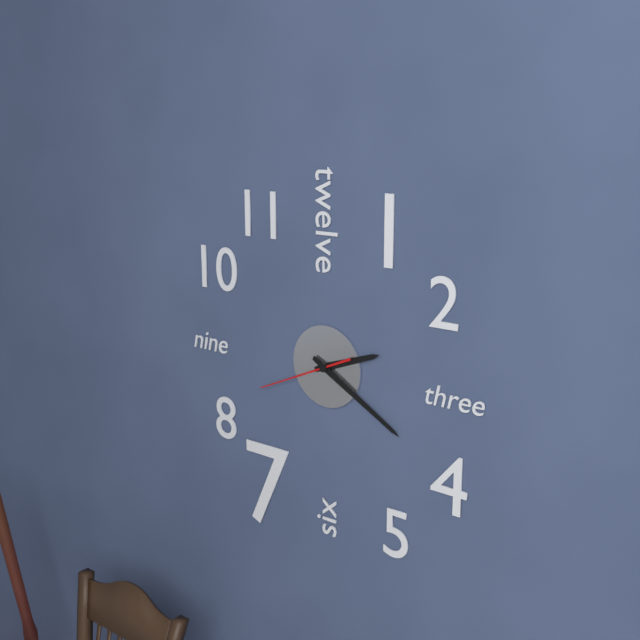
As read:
{"hour": 2, "minute": 20, "second": 41}
